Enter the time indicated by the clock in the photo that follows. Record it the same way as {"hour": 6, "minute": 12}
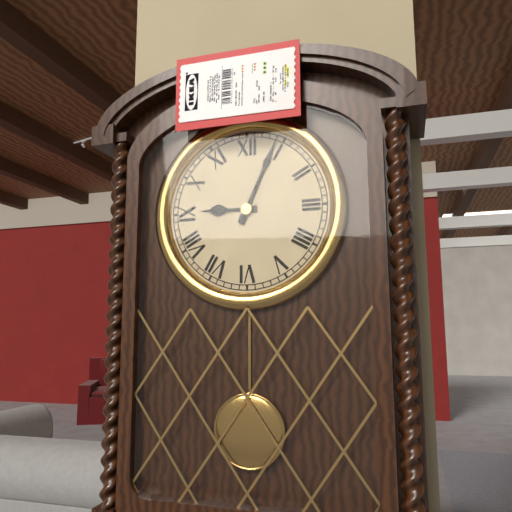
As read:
{"hour": 9, "minute": 4}
